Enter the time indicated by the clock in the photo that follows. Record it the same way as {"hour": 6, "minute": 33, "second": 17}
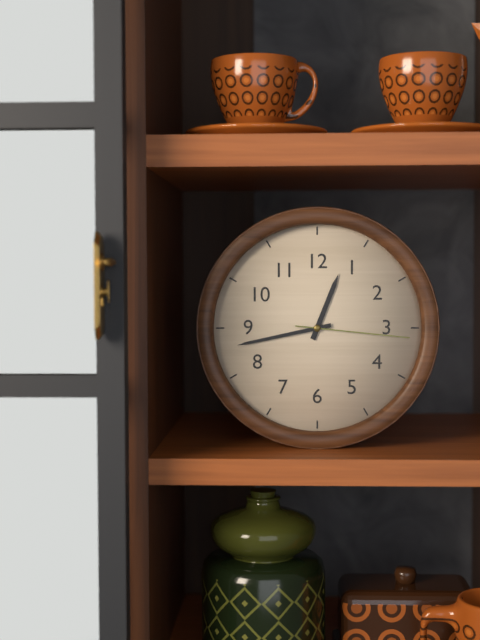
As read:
{"hour": 12, "minute": 43, "second": 16}
